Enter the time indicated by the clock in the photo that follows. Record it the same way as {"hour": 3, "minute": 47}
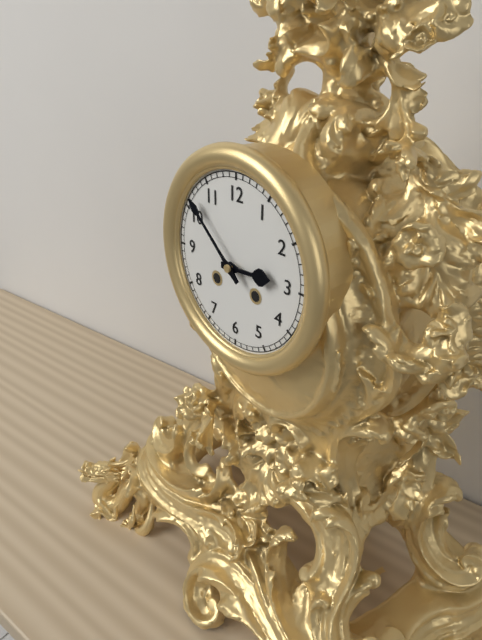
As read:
{"hour": 2, "minute": 52}
